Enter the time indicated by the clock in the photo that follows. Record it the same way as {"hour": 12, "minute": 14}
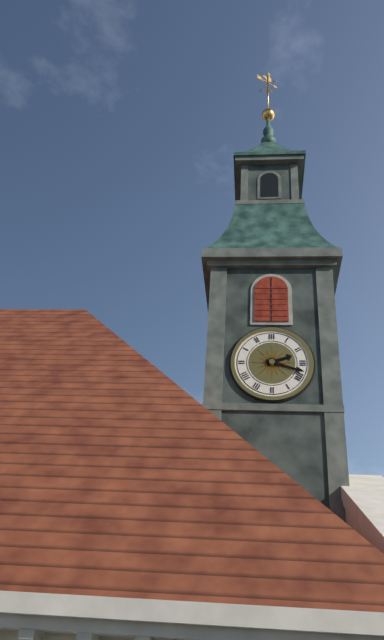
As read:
{"hour": 2, "minute": 18}
